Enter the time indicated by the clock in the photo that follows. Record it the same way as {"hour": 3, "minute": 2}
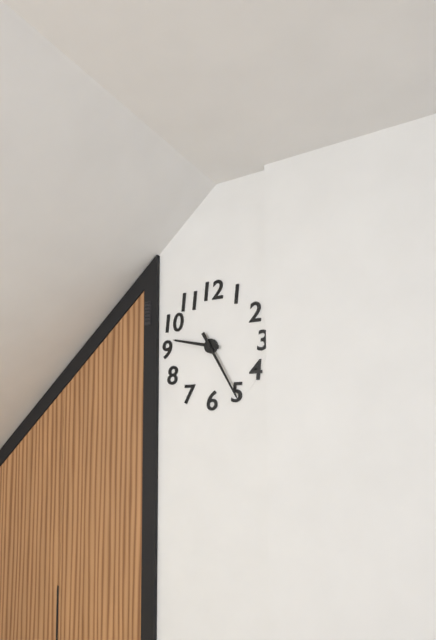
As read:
{"hour": 9, "minute": 25}
